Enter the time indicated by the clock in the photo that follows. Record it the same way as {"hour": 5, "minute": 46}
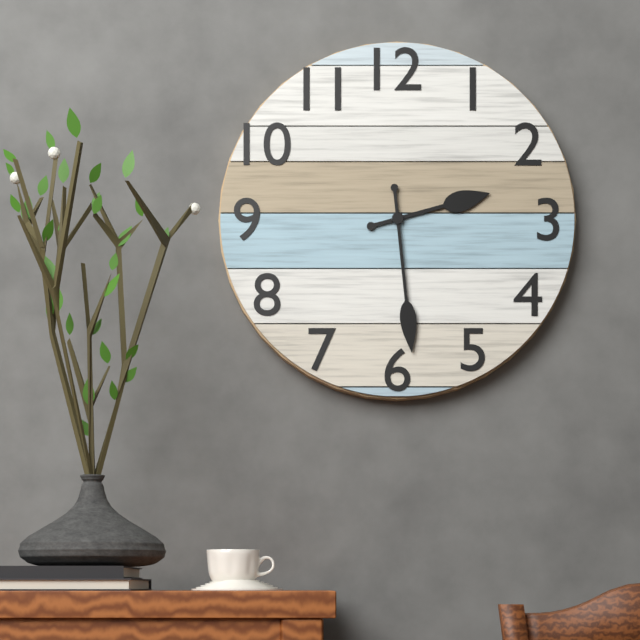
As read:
{"hour": 2, "minute": 29}
